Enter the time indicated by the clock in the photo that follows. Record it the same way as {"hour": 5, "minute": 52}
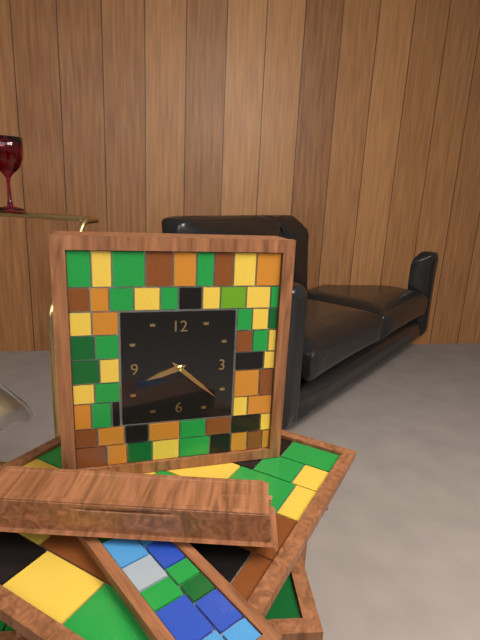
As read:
{"hour": 8, "minute": 22}
